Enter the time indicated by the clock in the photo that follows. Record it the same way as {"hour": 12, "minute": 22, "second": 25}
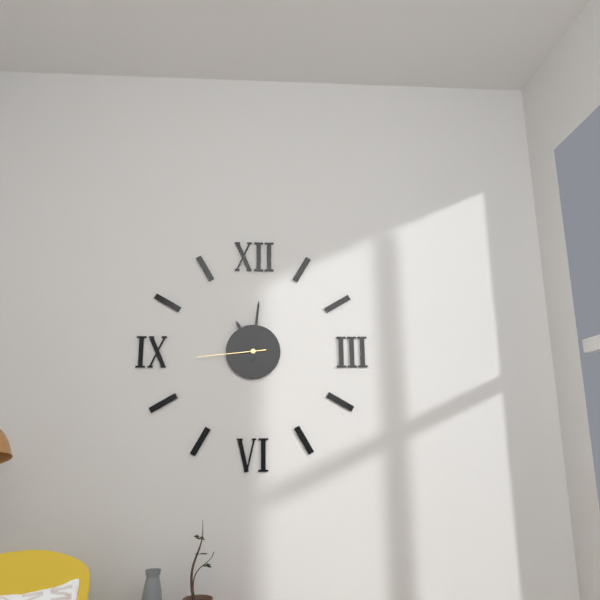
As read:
{"hour": 11, "minute": 1, "second": 44}
